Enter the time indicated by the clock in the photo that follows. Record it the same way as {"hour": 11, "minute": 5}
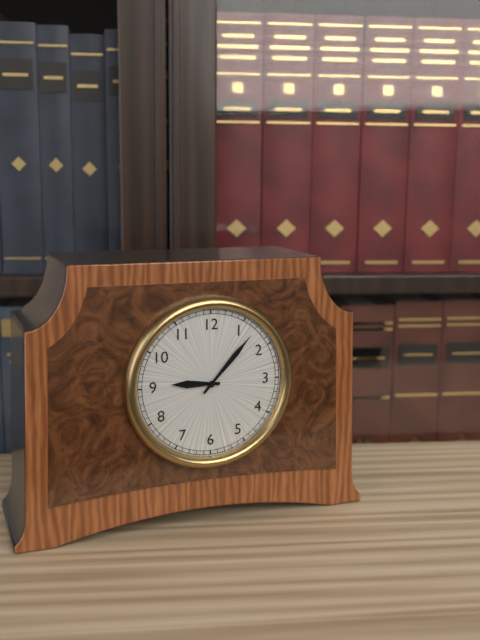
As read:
{"hour": 9, "minute": 7}
